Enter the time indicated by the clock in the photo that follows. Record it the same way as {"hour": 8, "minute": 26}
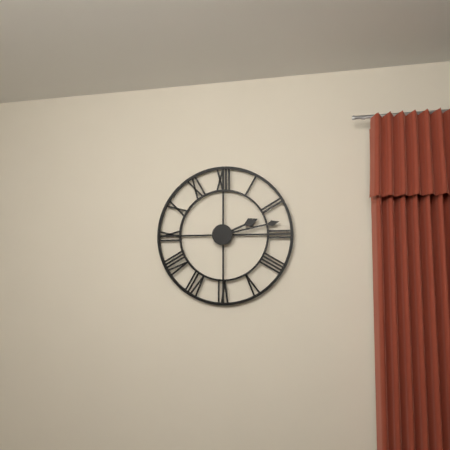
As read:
{"hour": 2, "minute": 13}
